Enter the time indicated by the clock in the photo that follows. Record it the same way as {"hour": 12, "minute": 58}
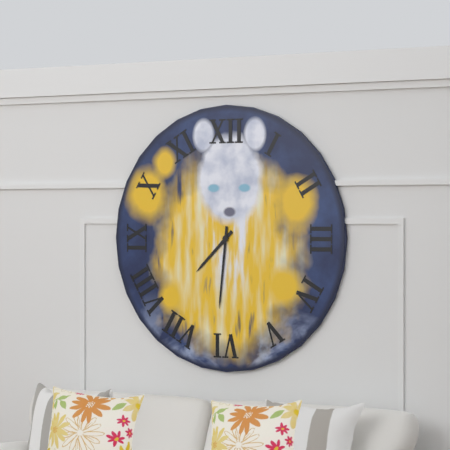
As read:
{"hour": 7, "minute": 31}
